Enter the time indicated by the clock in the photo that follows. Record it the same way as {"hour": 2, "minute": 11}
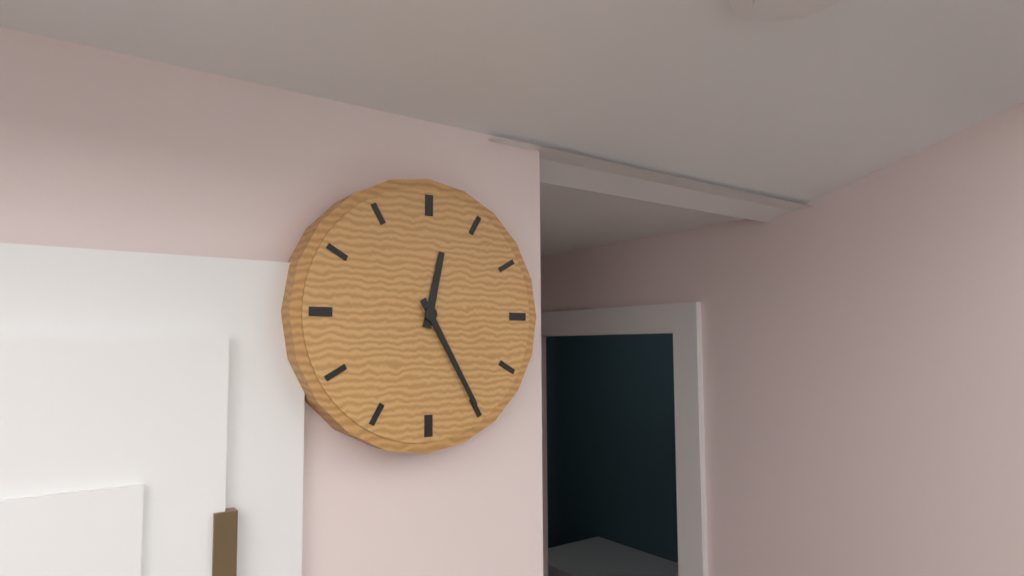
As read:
{"hour": 12, "minute": 25}
